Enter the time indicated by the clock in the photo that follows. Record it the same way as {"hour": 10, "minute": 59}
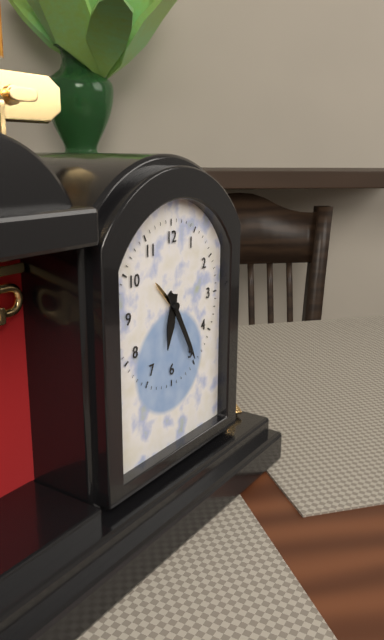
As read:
{"hour": 6, "minute": 25}
